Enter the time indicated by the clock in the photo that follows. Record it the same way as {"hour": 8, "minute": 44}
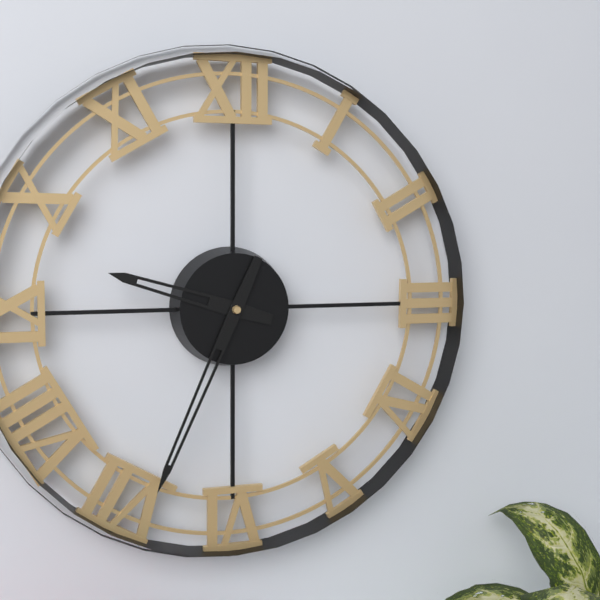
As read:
{"hour": 9, "minute": 34}
